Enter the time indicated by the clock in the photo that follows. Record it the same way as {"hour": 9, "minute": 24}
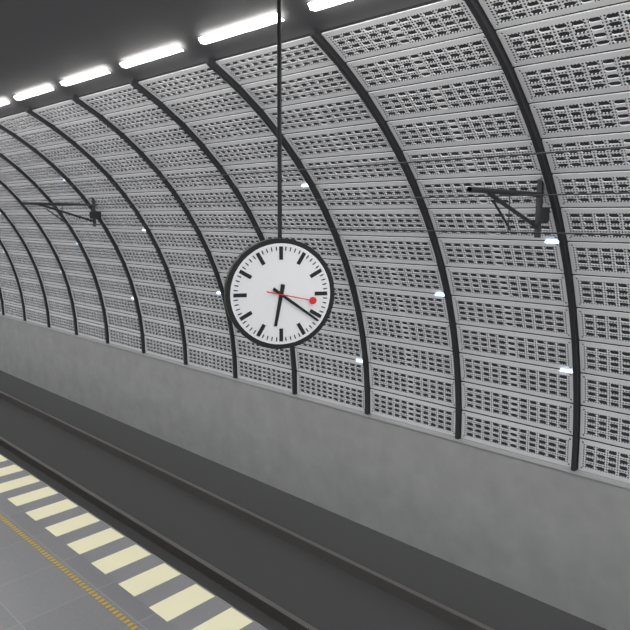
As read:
{"hour": 6, "minute": 21}
